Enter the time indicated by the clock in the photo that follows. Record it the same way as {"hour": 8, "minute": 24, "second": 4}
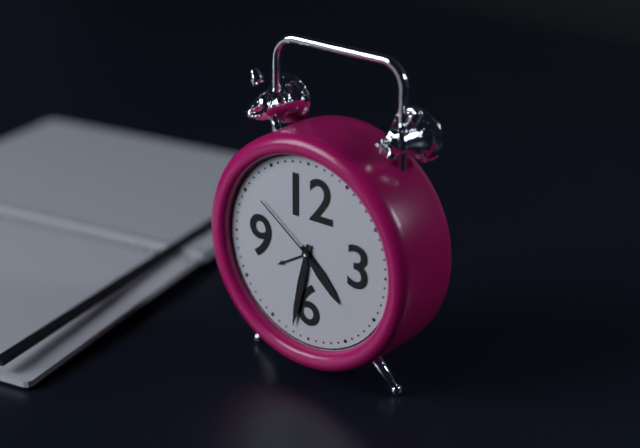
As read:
{"hour": 4, "minute": 32, "second": 51}
